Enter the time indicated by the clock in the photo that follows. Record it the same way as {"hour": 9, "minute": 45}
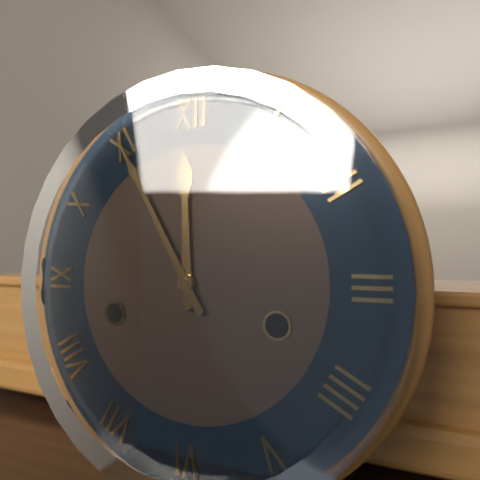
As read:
{"hour": 11, "minute": 55}
